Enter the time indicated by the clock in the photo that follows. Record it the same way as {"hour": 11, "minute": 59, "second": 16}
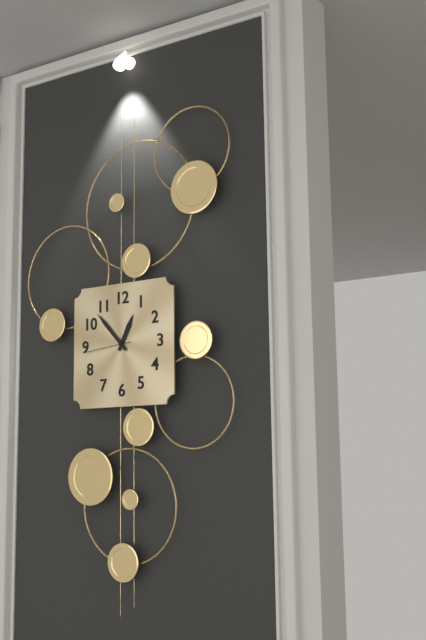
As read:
{"hour": 12, "minute": 53, "second": 44}
